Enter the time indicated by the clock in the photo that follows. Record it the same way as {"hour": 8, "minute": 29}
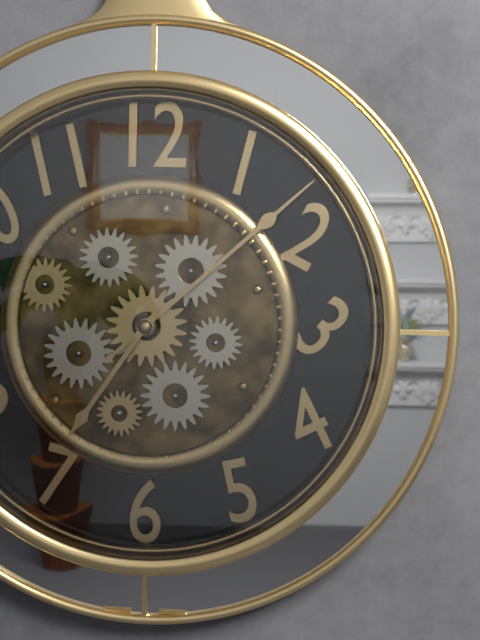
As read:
{"hour": 7, "minute": 8}
